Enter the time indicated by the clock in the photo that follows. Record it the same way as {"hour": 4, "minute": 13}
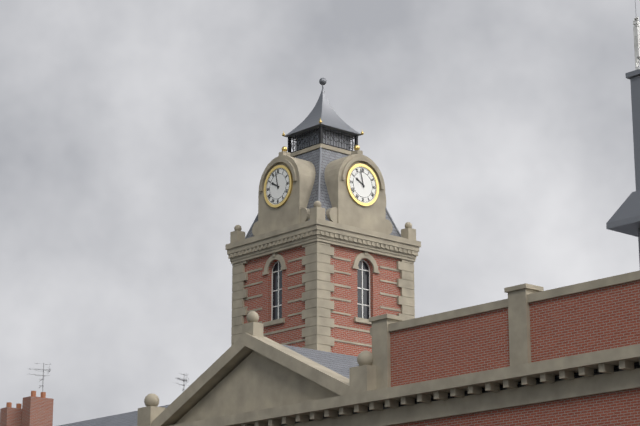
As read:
{"hour": 9, "minute": 58}
